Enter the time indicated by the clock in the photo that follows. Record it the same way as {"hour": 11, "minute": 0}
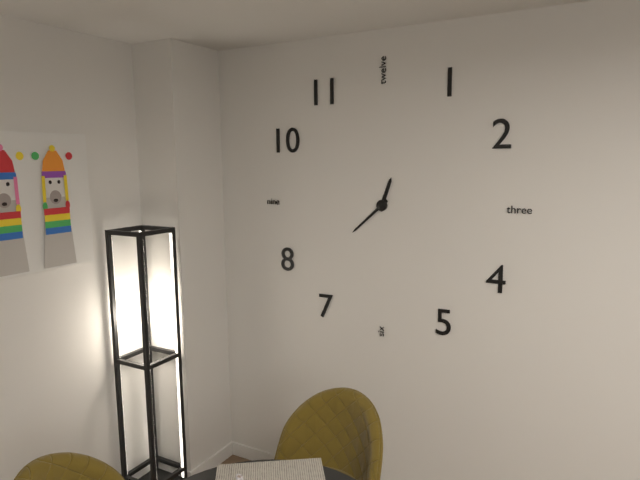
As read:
{"hour": 12, "minute": 38}
